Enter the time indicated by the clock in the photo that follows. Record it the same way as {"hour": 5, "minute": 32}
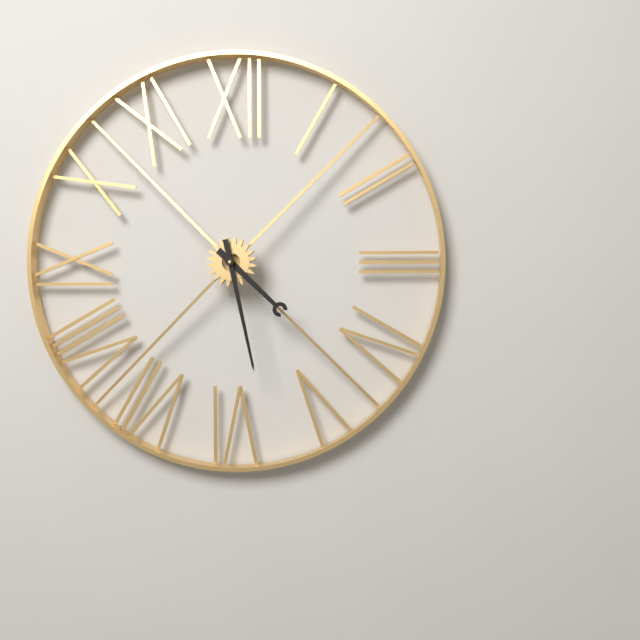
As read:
{"hour": 4, "minute": 28}
